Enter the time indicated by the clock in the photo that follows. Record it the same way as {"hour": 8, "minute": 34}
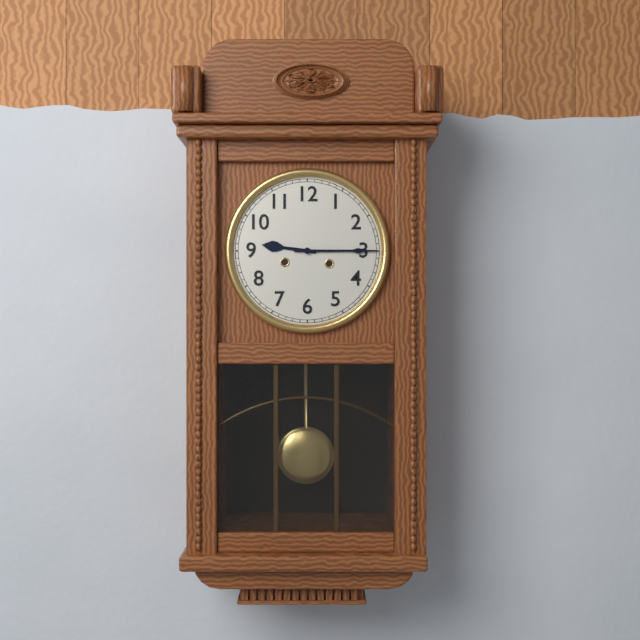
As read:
{"hour": 9, "minute": 15}
